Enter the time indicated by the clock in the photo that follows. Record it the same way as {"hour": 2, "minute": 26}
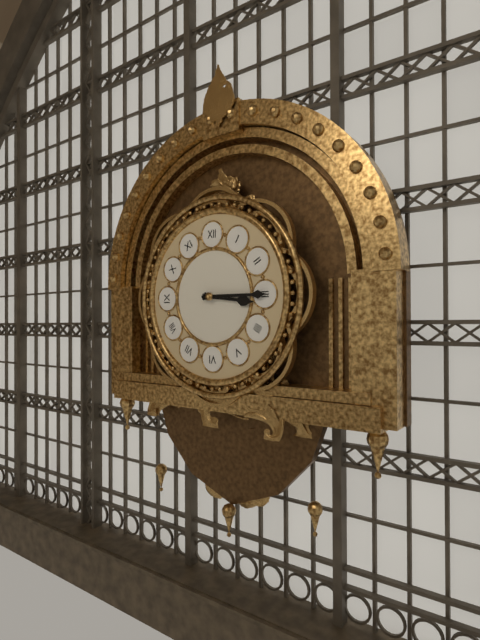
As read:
{"hour": 3, "minute": 15}
